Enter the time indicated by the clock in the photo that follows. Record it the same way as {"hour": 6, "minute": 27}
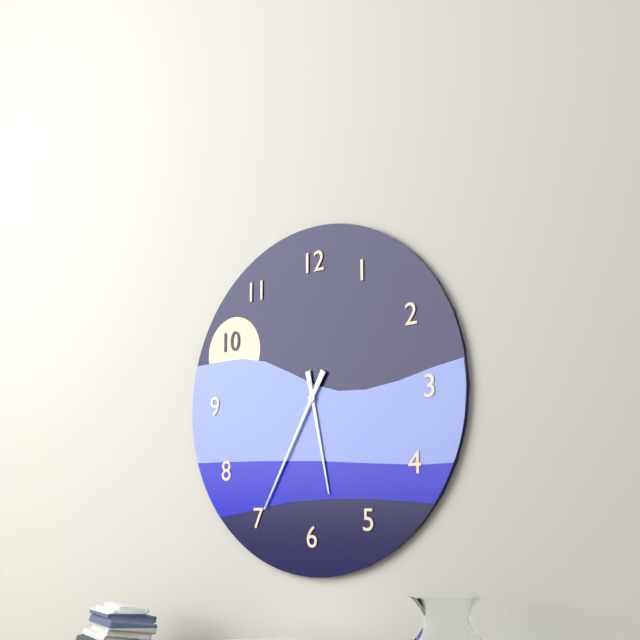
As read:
{"hour": 5, "minute": 35}
